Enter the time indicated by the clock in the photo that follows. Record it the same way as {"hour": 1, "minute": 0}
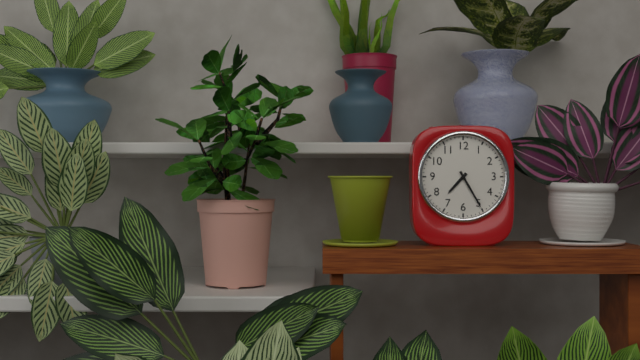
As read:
{"hour": 7, "minute": 25}
